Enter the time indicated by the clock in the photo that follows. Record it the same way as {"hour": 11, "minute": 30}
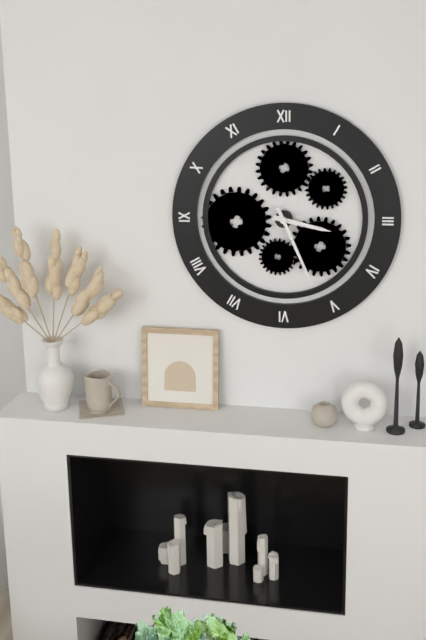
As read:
{"hour": 3, "minute": 26}
